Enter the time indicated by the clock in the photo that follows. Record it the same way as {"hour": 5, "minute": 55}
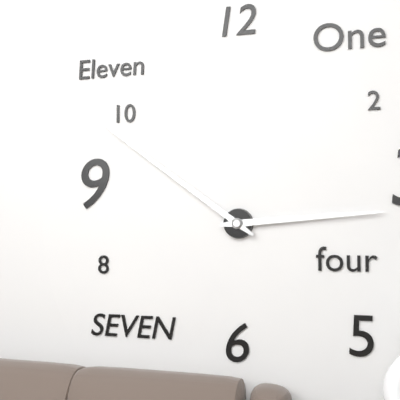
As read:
{"hour": 2, "minute": 51}
